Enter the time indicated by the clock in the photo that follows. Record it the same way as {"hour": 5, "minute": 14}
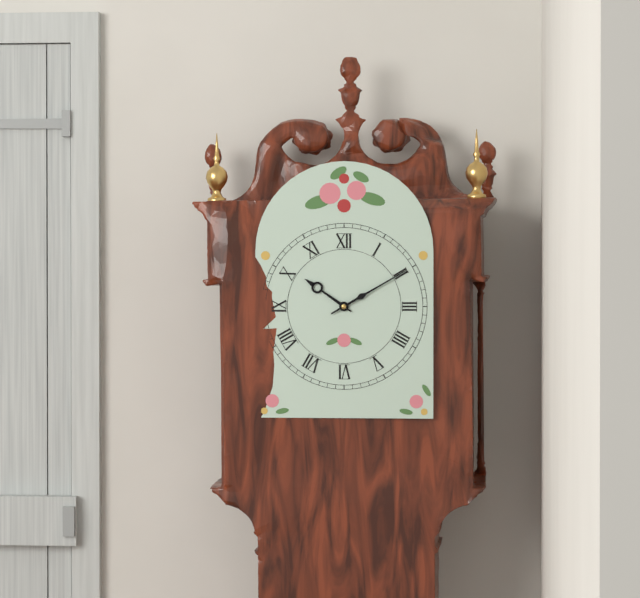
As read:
{"hour": 10, "minute": 10}
